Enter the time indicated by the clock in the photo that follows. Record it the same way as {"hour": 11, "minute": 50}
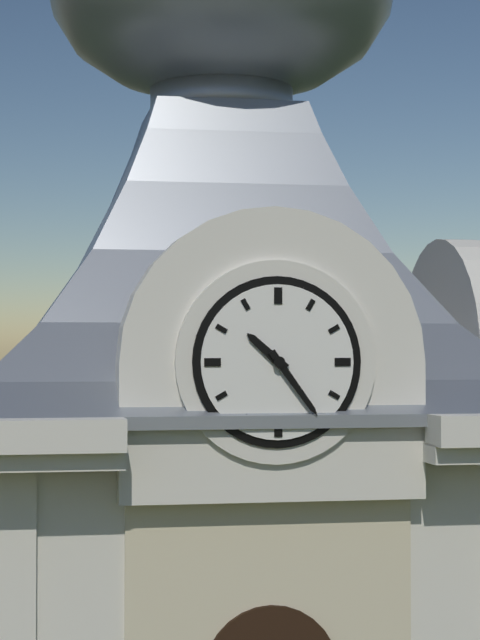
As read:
{"hour": 10, "minute": 24}
